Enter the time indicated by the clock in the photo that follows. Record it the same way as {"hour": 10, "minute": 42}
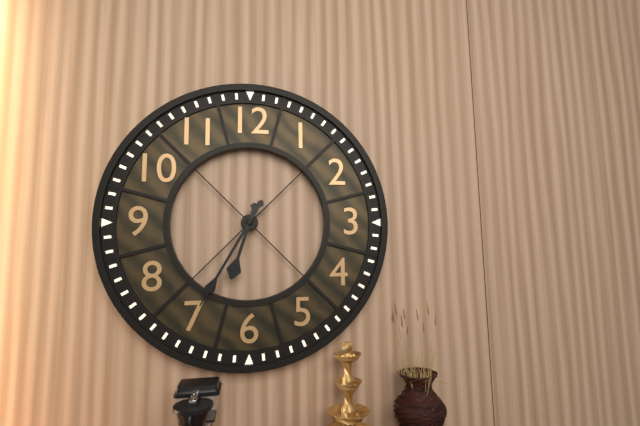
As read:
{"hour": 6, "minute": 35}
